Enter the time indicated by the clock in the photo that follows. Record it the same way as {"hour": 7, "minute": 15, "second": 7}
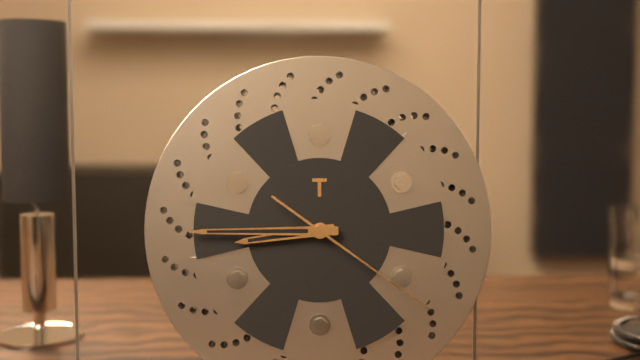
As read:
{"hour": 8, "minute": 45, "second": 21}
